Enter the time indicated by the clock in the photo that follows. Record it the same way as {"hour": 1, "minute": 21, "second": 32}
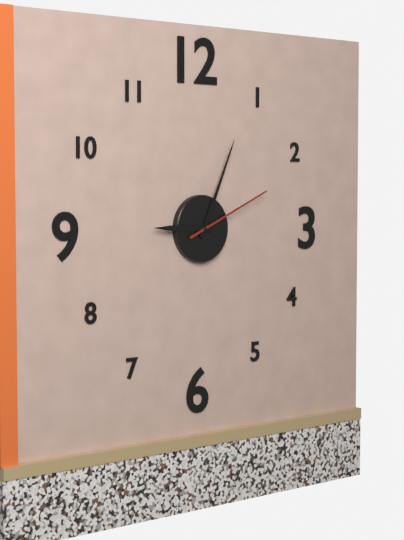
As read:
{"hour": 9, "minute": 4, "second": 11}
